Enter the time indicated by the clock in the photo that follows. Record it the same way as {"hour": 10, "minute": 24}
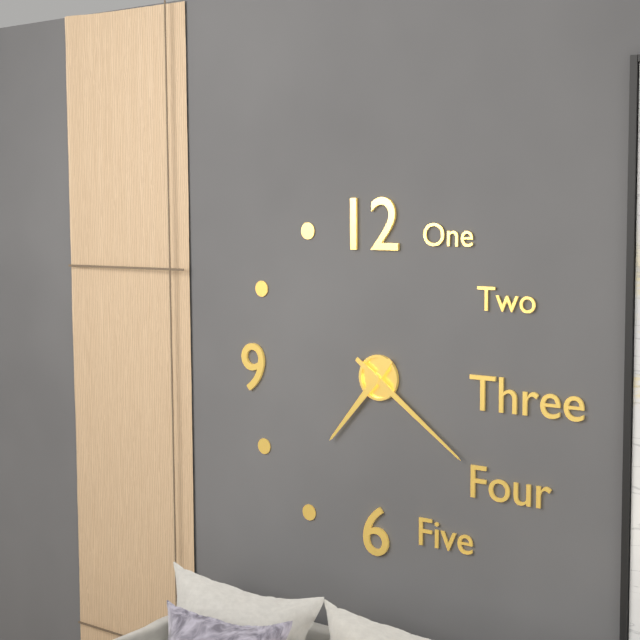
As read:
{"hour": 7, "minute": 21}
